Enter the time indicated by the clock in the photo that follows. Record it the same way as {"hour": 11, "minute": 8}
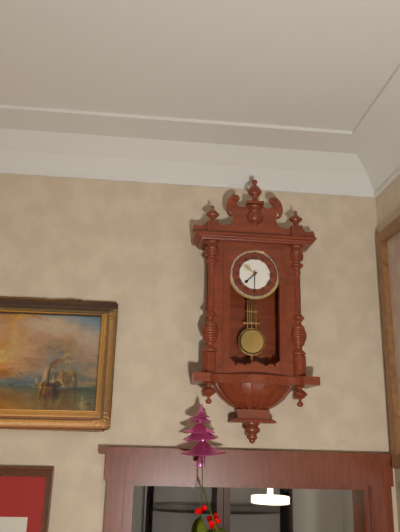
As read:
{"hour": 7, "minute": 30}
